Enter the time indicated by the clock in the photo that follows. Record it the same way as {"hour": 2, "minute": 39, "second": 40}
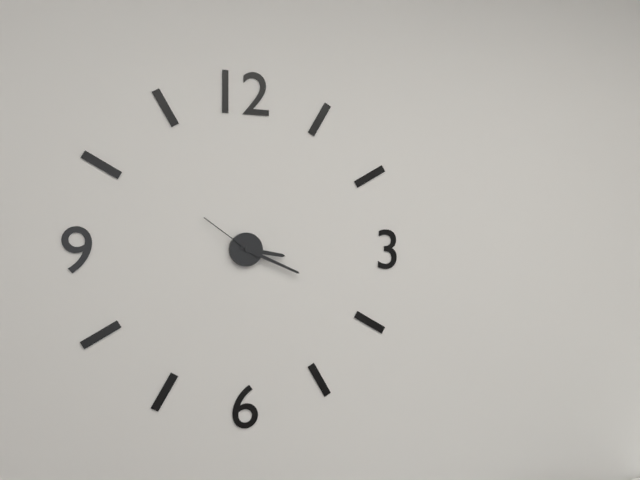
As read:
{"hour": 3, "minute": 19, "second": 51}
